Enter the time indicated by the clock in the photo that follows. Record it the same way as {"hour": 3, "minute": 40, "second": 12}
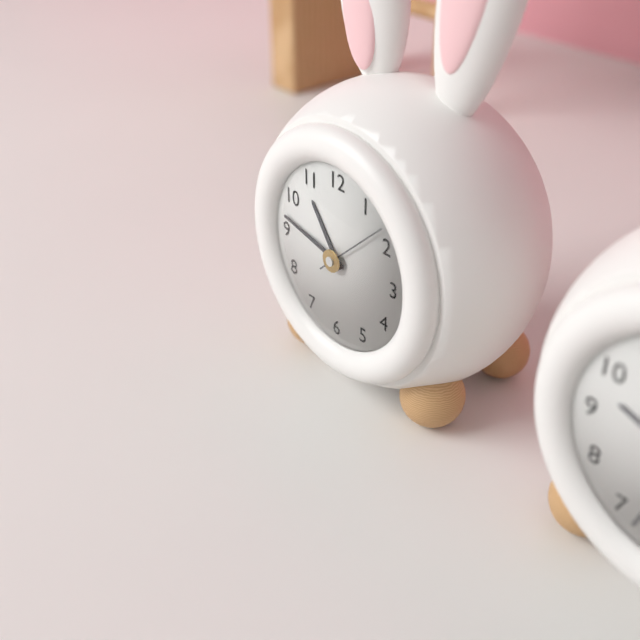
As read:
{"hour": 10, "minute": 47, "second": 8}
